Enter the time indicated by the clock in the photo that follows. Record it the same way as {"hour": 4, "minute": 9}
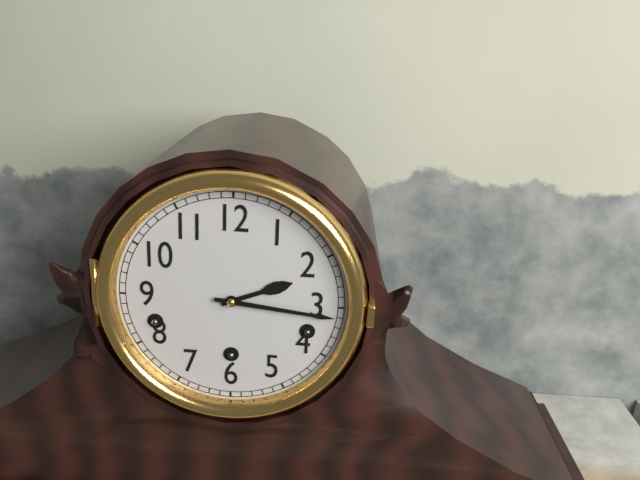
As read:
{"hour": 2, "minute": 16}
